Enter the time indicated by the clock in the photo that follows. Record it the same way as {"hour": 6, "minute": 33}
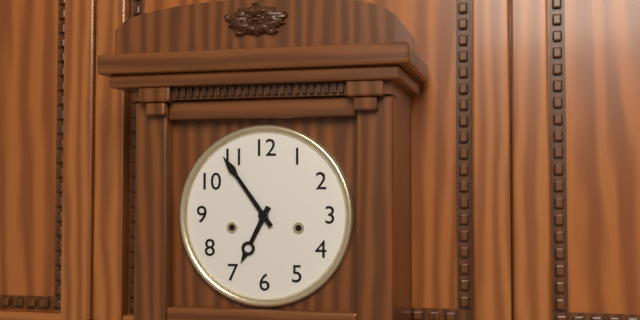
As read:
{"hour": 6, "minute": 54}
